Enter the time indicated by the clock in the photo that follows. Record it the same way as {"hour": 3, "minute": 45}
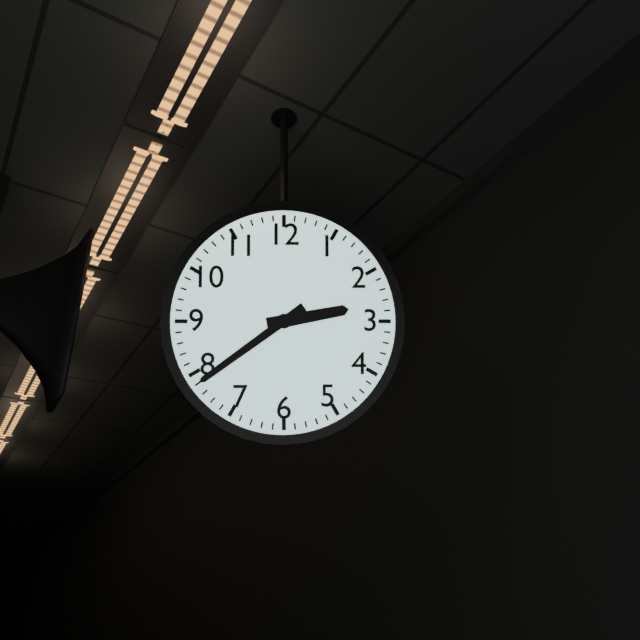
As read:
{"hour": 2, "minute": 39}
